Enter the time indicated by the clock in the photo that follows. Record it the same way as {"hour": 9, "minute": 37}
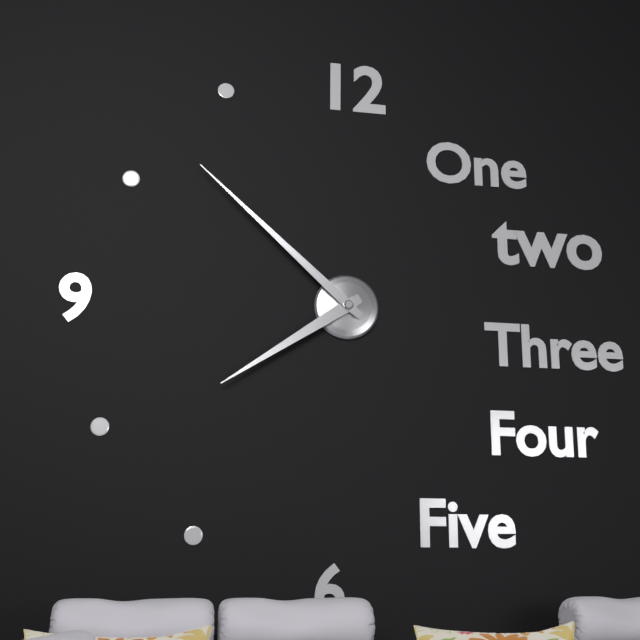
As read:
{"hour": 7, "minute": 52}
